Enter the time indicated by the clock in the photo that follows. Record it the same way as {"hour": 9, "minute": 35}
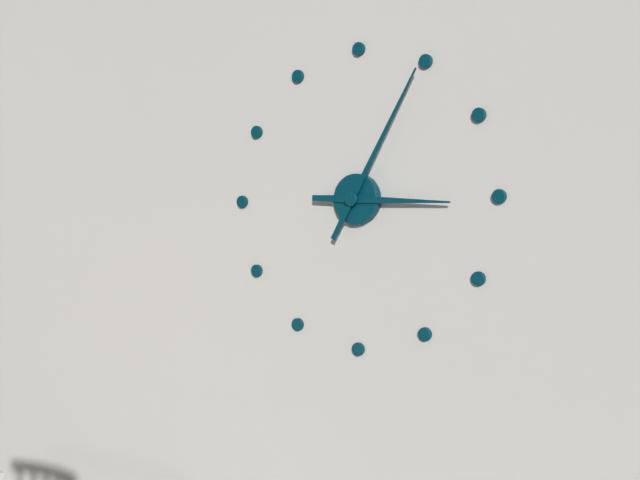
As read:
{"hour": 3, "minute": 5}
